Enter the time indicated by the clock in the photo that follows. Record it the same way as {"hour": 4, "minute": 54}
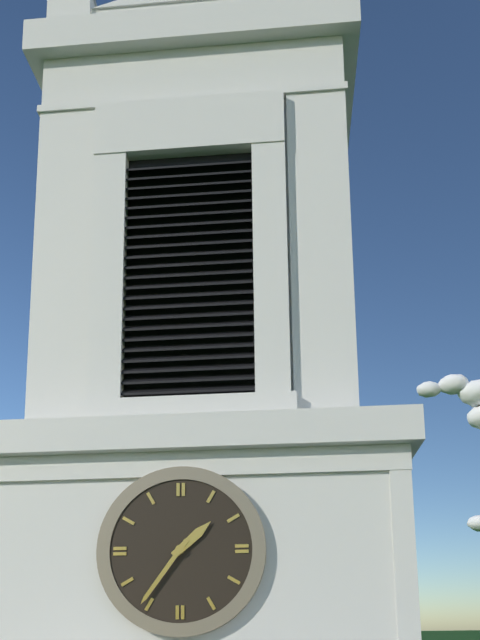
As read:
{"hour": 1, "minute": 36}
